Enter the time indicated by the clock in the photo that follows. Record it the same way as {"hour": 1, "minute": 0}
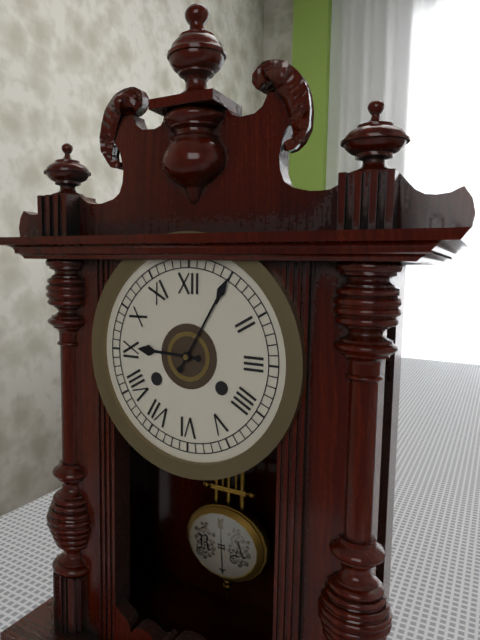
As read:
{"hour": 9, "minute": 5}
